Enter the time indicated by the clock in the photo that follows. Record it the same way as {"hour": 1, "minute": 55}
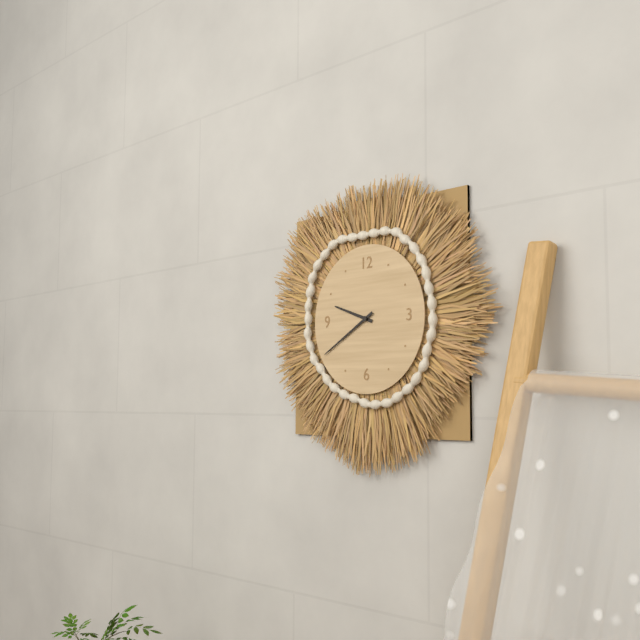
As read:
{"hour": 9, "minute": 40}
